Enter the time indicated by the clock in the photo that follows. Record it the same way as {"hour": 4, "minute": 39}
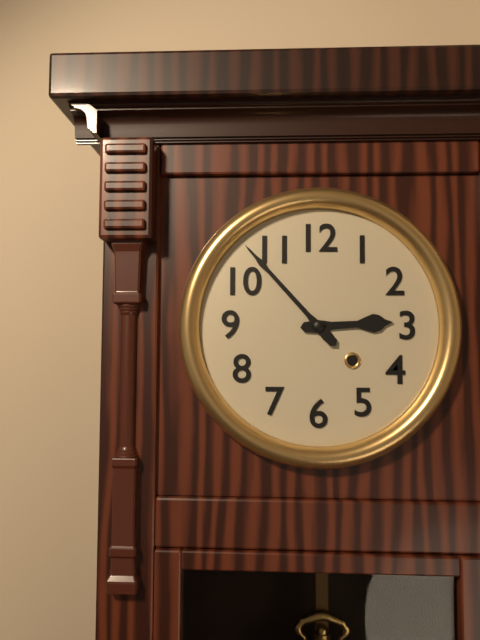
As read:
{"hour": 2, "minute": 53}
